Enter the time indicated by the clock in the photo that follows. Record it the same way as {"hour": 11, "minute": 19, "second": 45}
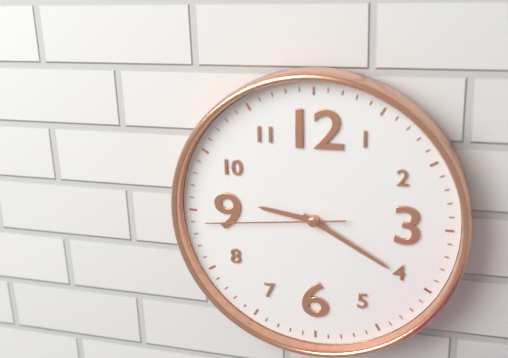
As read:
{"hour": 9, "minute": 20, "second": 44}
